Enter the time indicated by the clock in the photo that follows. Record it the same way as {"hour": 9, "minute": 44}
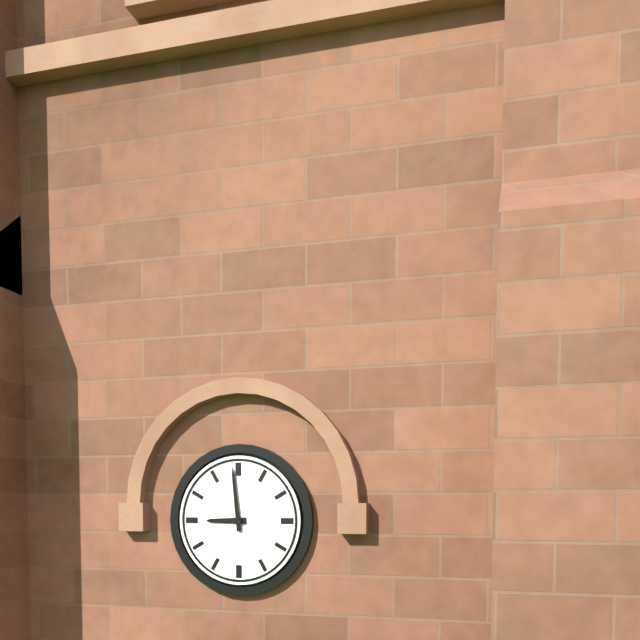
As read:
{"hour": 8, "minute": 59}
